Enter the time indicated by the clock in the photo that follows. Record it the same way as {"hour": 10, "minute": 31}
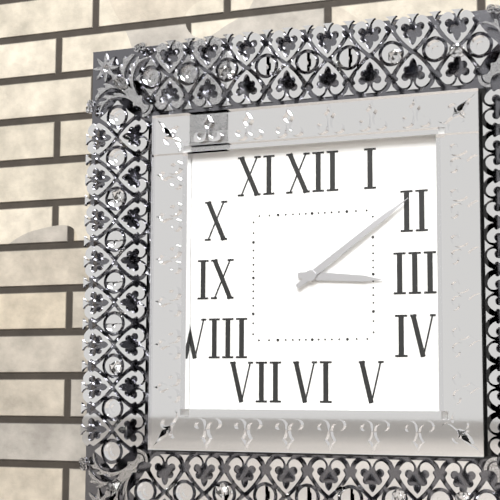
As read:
{"hour": 3, "minute": 9}
